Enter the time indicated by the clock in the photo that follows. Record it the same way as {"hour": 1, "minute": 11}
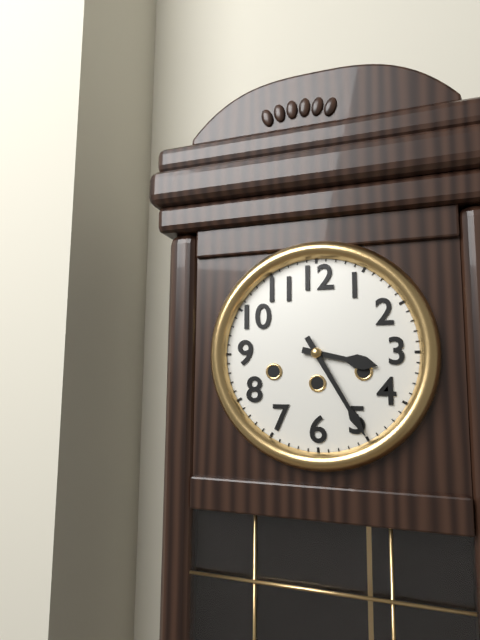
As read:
{"hour": 3, "minute": 25}
